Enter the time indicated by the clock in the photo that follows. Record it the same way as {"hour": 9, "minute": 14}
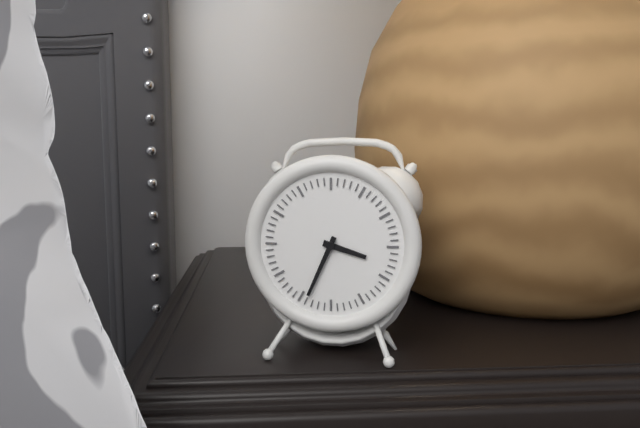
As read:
{"hour": 3, "minute": 34}
